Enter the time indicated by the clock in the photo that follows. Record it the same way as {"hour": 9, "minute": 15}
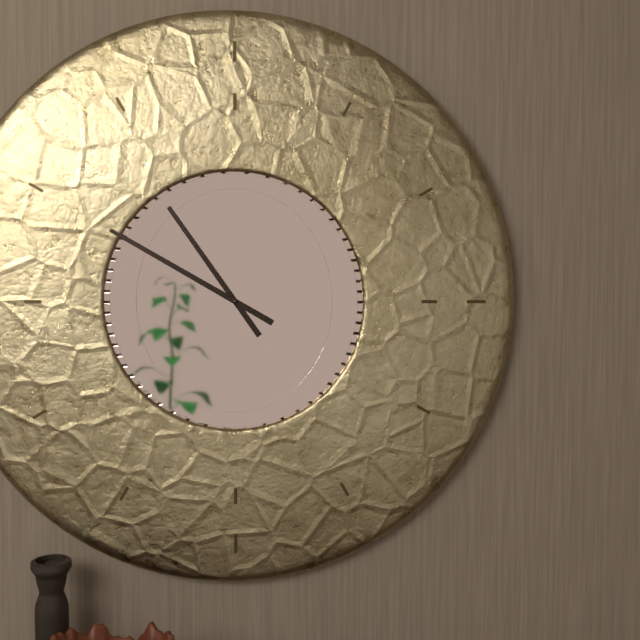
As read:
{"hour": 10, "minute": 50}
